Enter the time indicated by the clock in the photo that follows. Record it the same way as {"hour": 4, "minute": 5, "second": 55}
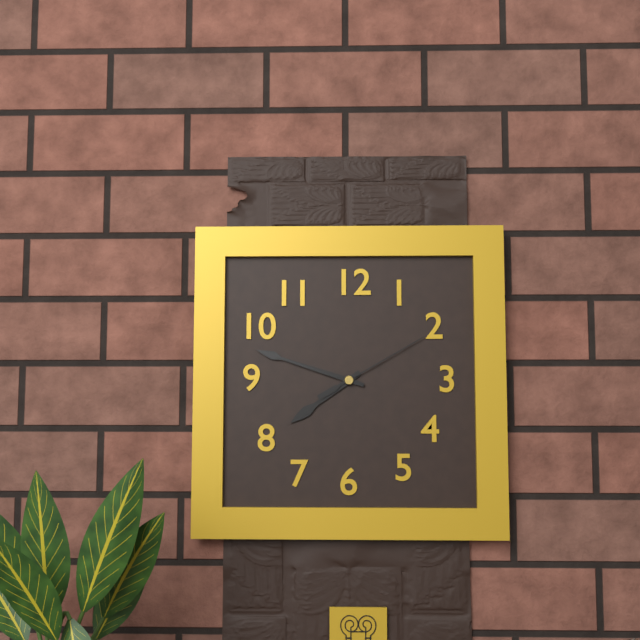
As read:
{"hour": 7, "minute": 48, "second": 10}
